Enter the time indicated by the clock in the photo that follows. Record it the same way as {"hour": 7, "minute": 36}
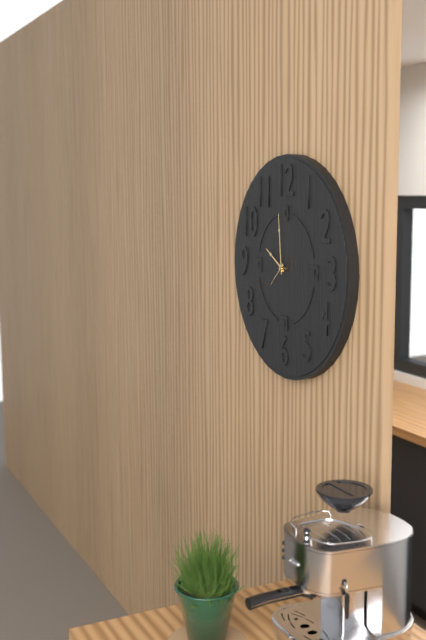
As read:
{"hour": 9, "minute": 59}
